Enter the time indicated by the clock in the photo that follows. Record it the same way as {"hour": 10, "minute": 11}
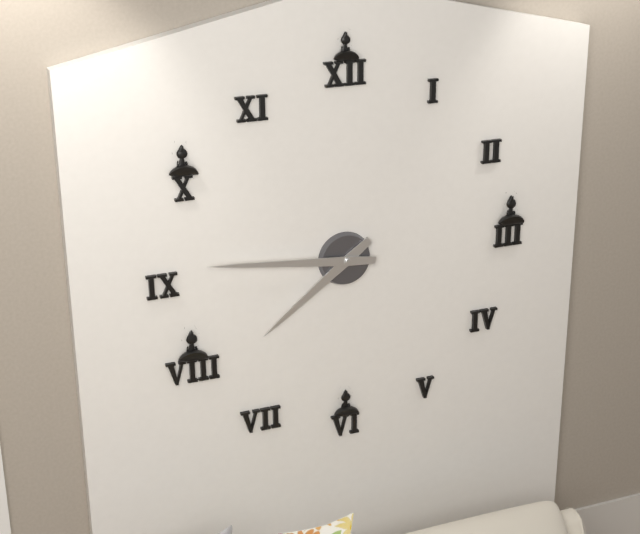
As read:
{"hour": 7, "minute": 46}
